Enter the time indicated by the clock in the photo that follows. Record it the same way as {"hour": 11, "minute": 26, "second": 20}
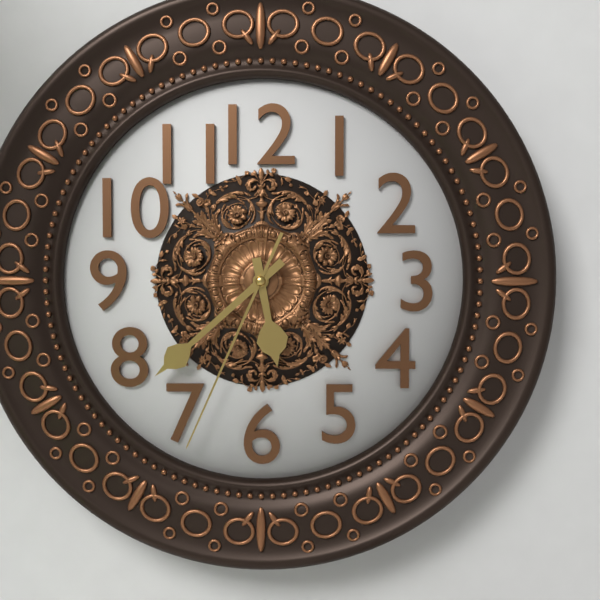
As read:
{"hour": 5, "minute": 38, "second": 34}
